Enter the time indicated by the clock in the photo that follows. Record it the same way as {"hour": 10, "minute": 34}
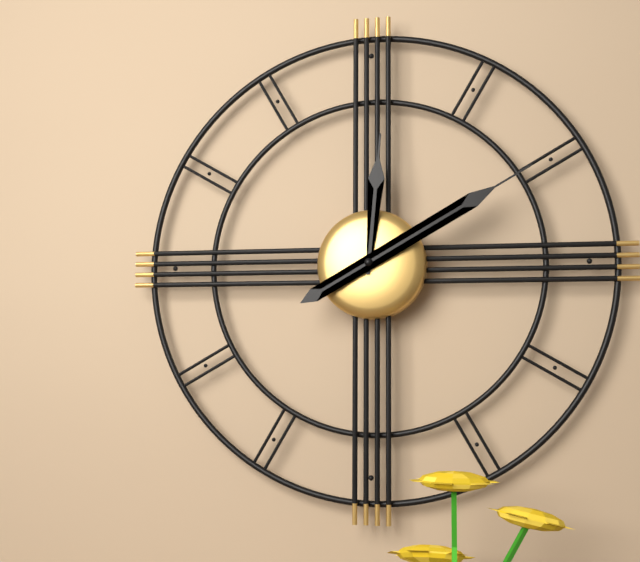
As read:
{"hour": 12, "minute": 10}
